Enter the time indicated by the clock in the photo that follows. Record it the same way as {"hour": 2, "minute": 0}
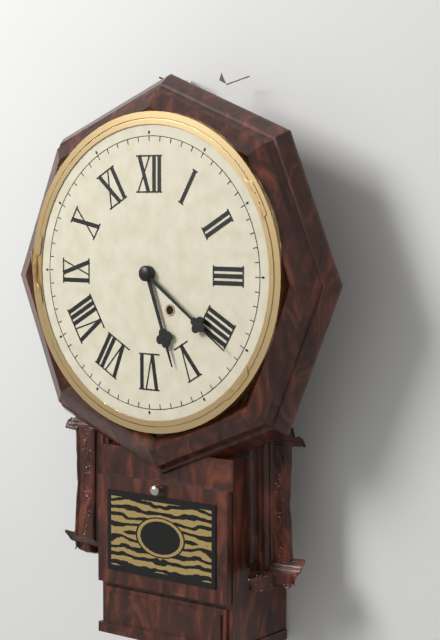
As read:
{"hour": 5, "minute": 21}
